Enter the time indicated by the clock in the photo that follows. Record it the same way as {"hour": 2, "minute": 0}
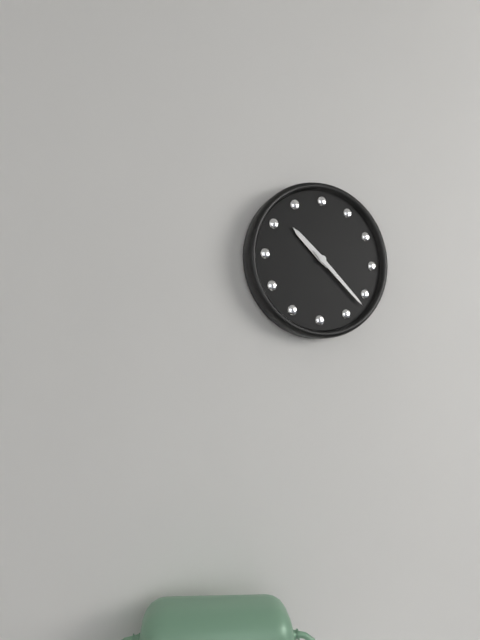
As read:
{"hour": 10, "minute": 22}
